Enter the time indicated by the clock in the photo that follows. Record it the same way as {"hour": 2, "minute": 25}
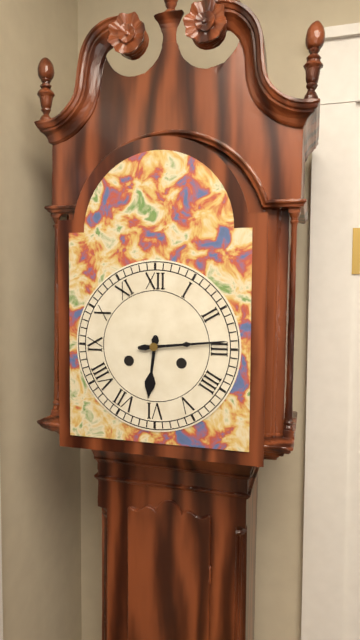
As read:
{"hour": 6, "minute": 14}
